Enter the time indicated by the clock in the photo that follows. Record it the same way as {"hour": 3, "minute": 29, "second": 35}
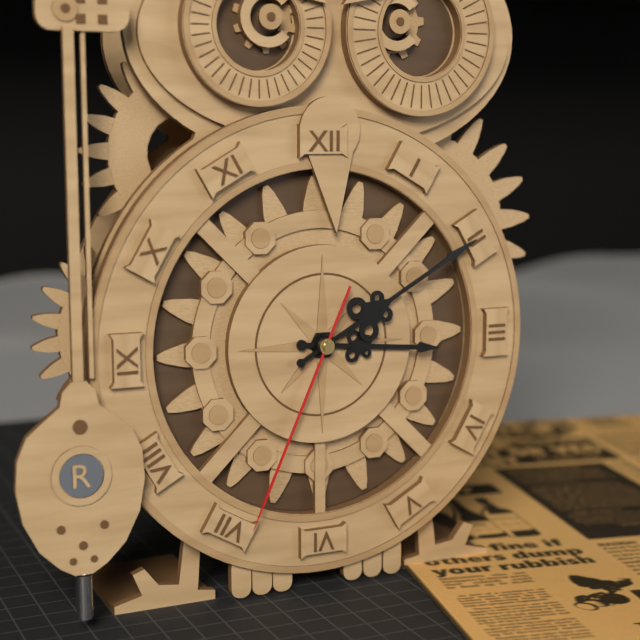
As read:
{"hour": 3, "minute": 10, "second": 34}
